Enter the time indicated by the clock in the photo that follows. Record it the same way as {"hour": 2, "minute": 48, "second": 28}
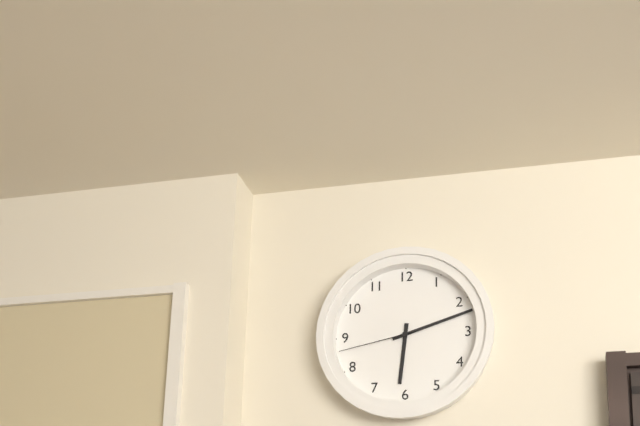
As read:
{"hour": 6, "minute": 12, "second": 43}
